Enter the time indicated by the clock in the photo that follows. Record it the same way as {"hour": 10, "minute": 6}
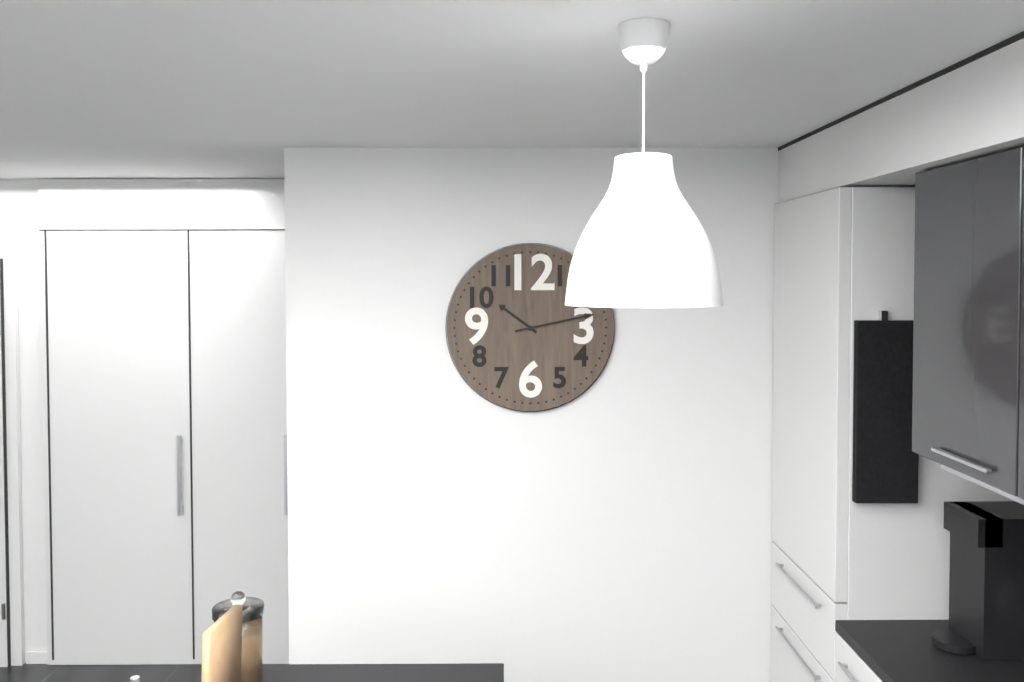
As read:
{"hour": 10, "minute": 13}
